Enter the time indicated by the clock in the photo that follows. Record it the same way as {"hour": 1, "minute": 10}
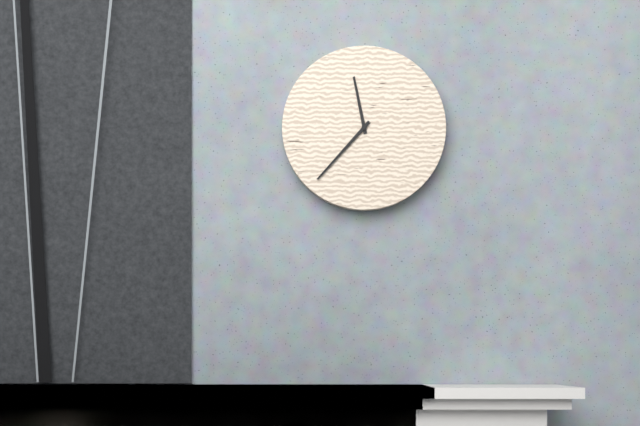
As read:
{"hour": 11, "minute": 37}
